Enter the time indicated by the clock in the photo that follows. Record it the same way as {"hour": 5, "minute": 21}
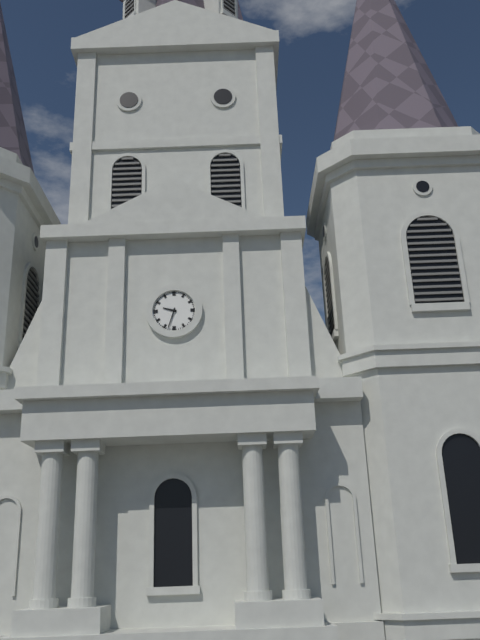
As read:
{"hour": 9, "minute": 33}
